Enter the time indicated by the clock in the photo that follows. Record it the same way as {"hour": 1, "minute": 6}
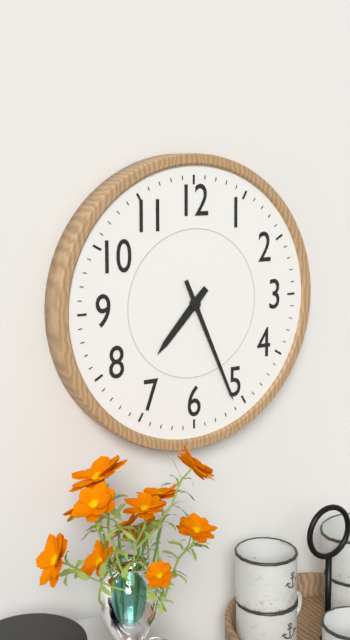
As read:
{"hour": 7, "minute": 26}
